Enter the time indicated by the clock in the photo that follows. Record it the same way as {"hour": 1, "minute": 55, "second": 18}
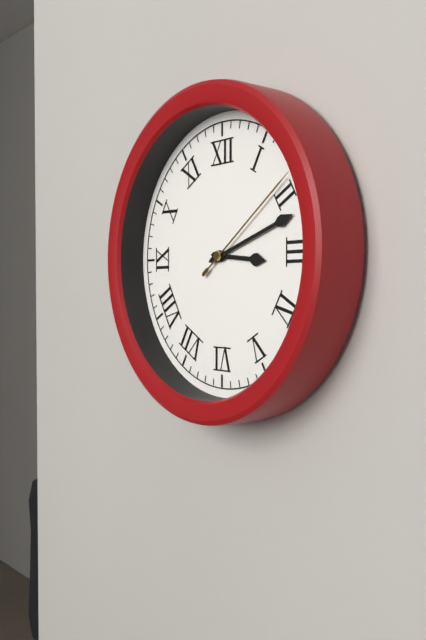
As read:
{"hour": 3, "minute": 12, "second": 9}
